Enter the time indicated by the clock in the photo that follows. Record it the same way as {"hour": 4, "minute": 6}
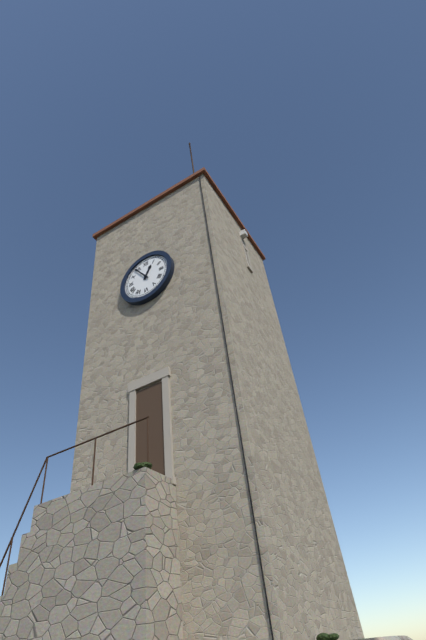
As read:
{"hour": 12, "minute": 54}
